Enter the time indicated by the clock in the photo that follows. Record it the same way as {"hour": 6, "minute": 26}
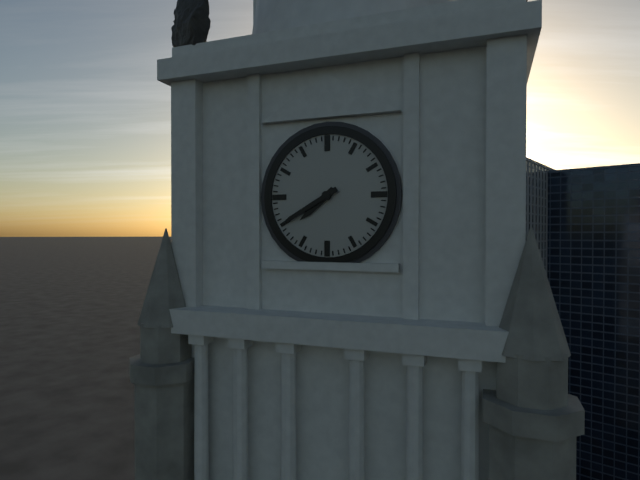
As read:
{"hour": 7, "minute": 40}
